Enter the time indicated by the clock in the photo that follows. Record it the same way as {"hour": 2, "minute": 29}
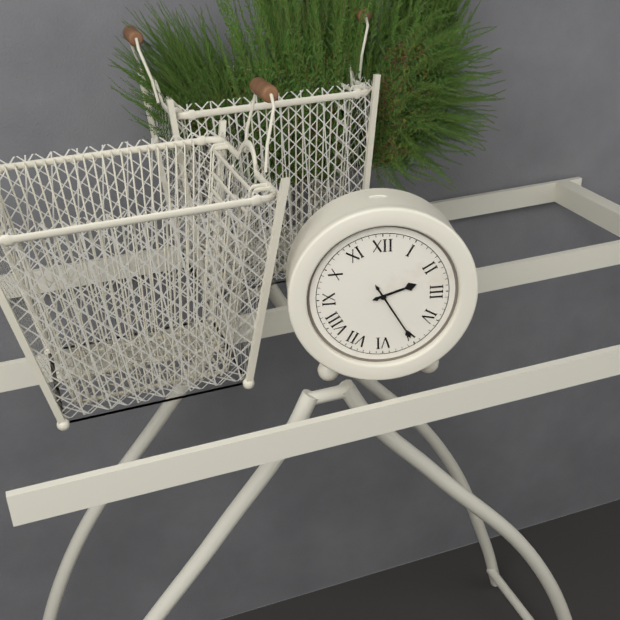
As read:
{"hour": 2, "minute": 25}
